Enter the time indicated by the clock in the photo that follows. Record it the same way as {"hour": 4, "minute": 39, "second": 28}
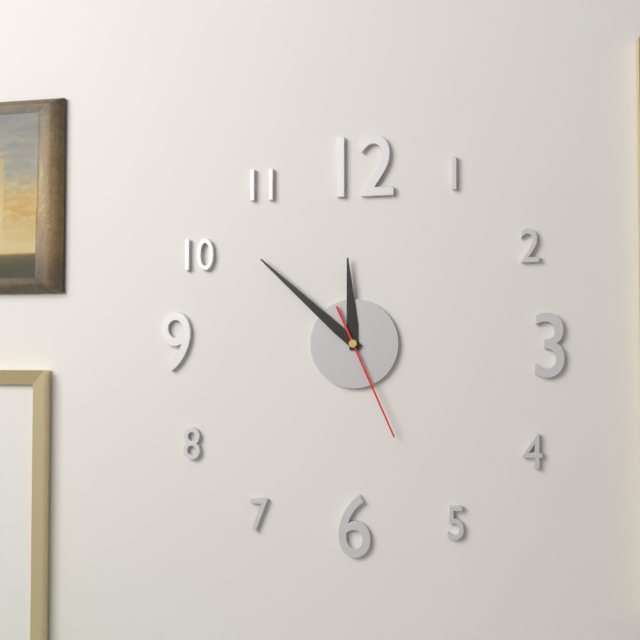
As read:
{"hour": 11, "minute": 52, "second": 26}
